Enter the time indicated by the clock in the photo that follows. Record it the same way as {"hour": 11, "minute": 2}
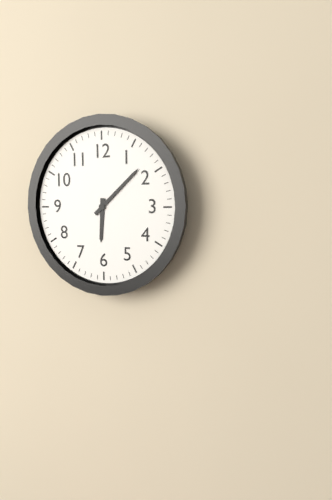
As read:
{"hour": 6, "minute": 8}
